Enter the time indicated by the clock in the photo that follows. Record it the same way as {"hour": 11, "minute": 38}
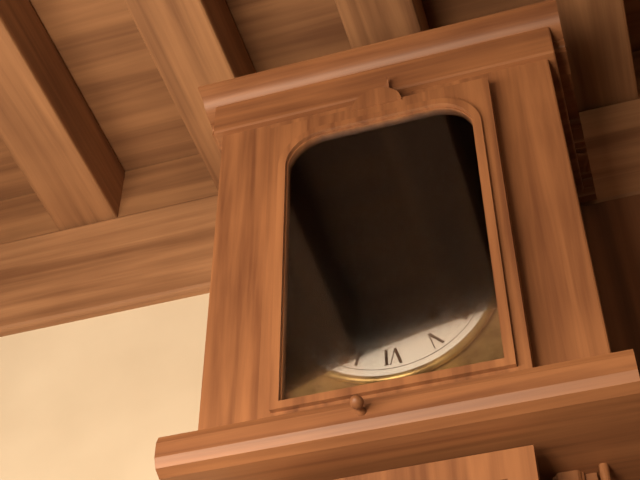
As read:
{"hour": 10, "minute": 41}
